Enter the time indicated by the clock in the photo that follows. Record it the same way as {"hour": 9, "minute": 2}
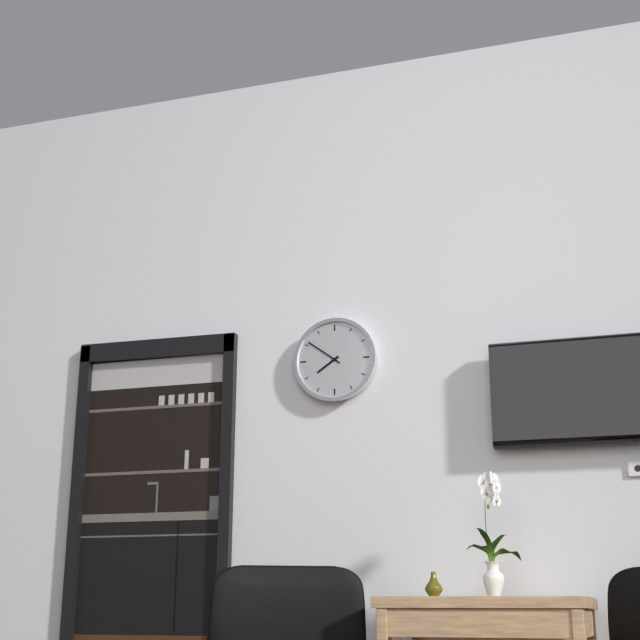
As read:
{"hour": 7, "minute": 51}
